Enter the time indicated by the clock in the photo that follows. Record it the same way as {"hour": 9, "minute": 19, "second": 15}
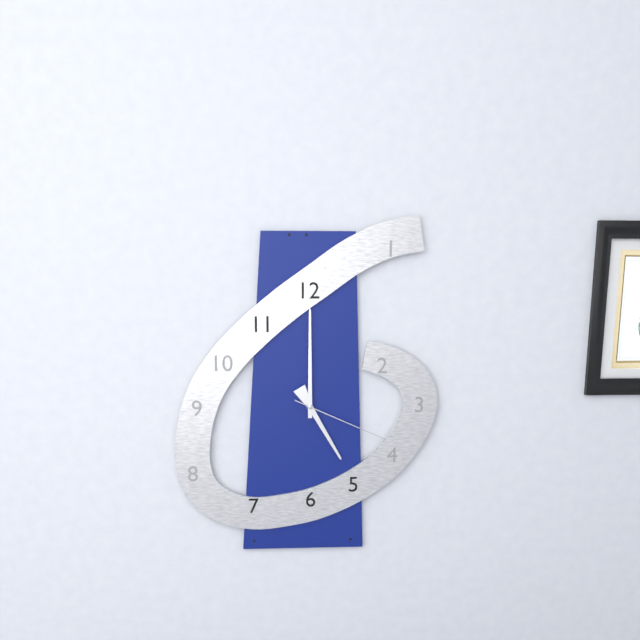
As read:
{"hour": 5, "minute": 0, "second": 19}
